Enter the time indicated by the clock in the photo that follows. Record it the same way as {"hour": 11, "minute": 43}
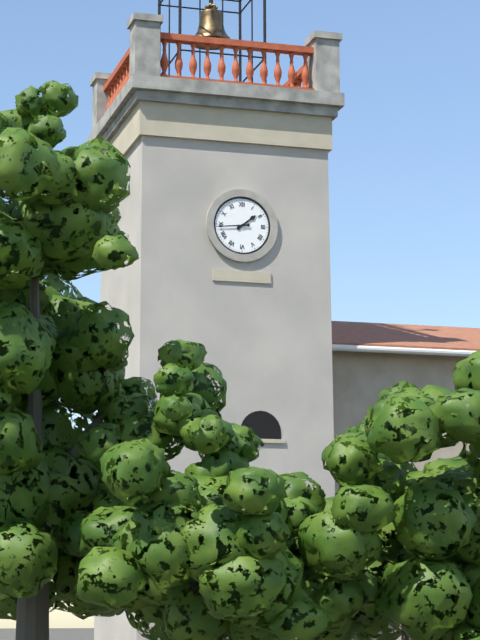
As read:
{"hour": 1, "minute": 44}
